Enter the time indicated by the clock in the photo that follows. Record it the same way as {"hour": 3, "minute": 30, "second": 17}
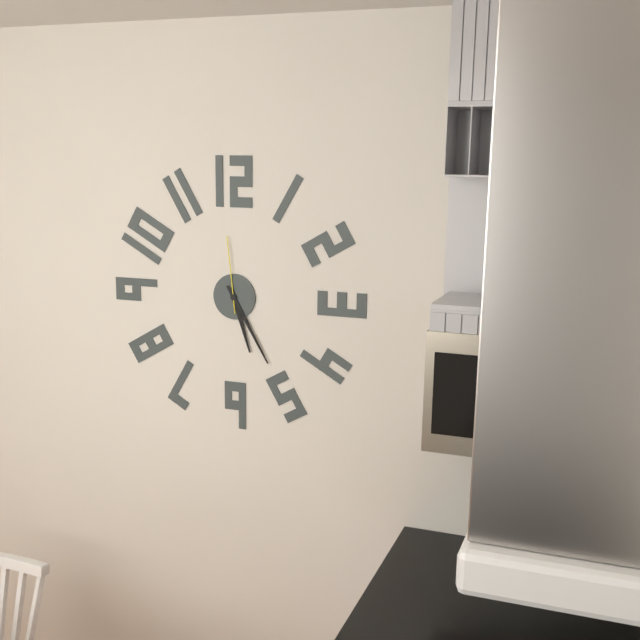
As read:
{"hour": 5, "minute": 25, "second": 59}
